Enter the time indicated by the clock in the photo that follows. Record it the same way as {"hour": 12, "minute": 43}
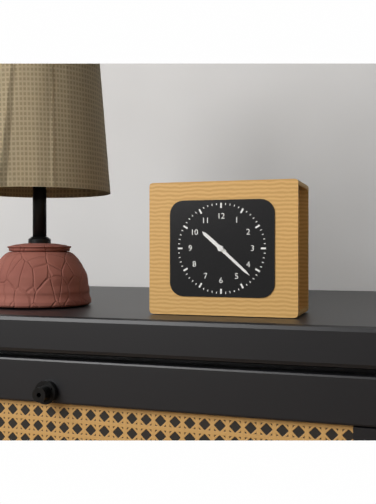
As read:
{"hour": 10, "minute": 22}
